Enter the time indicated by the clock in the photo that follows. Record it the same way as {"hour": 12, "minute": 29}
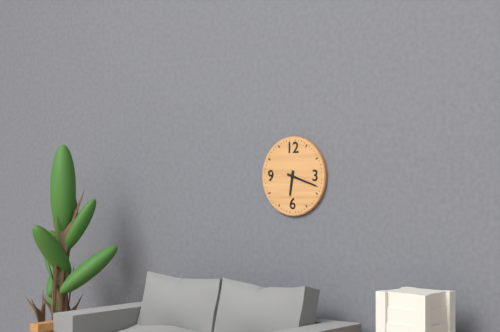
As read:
{"hour": 6, "minute": 18}
